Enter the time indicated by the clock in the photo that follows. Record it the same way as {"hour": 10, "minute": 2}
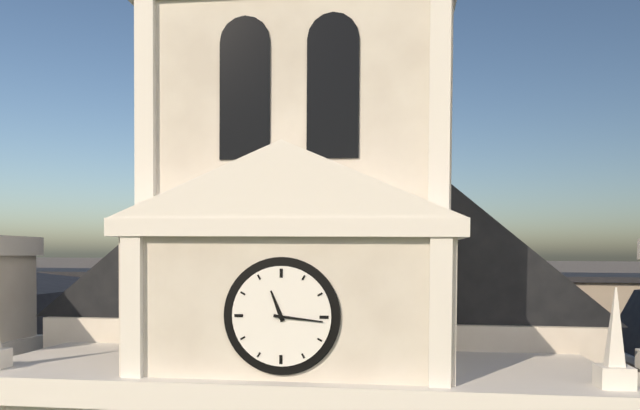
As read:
{"hour": 11, "minute": 16}
